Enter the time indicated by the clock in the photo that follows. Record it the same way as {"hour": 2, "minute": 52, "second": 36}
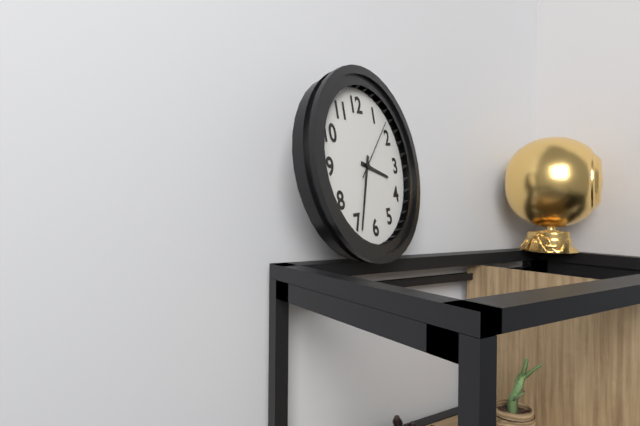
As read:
{"hour": 3, "minute": 34, "second": 8}
